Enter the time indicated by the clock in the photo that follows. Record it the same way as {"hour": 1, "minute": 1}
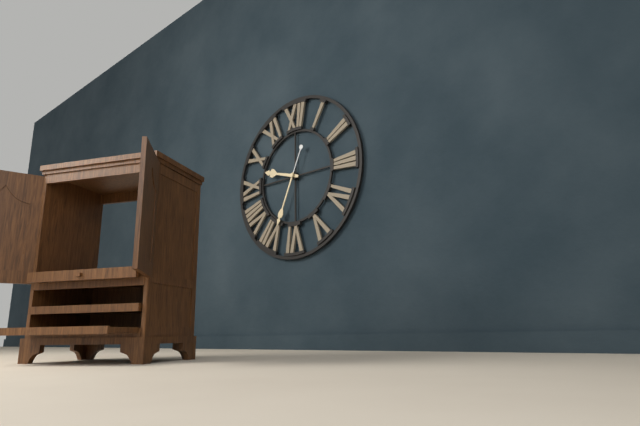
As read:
{"hour": 9, "minute": 34}
